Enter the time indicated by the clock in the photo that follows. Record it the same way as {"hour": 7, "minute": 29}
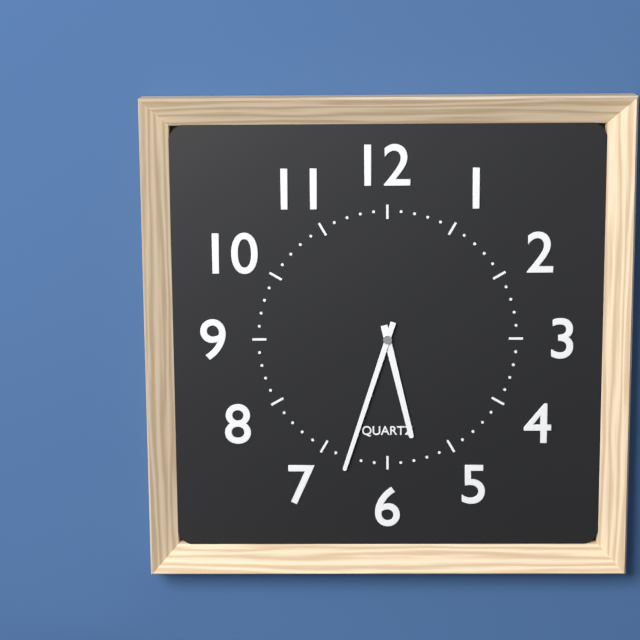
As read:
{"hour": 5, "minute": 33}
